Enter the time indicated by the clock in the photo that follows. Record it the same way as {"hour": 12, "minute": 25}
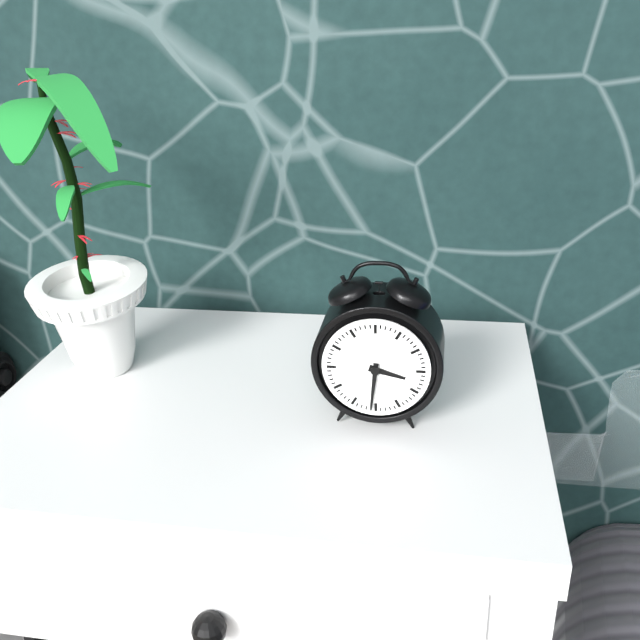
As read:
{"hour": 3, "minute": 31}
